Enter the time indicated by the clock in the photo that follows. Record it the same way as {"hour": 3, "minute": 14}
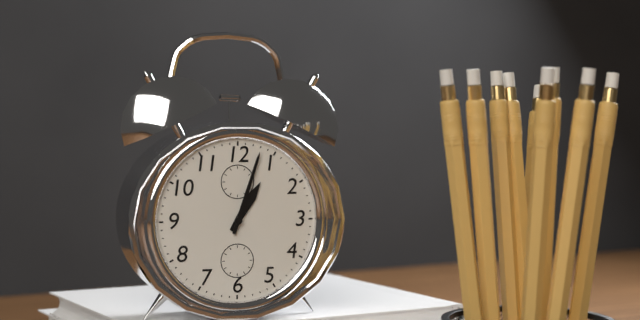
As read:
{"hour": 1, "minute": 3}
